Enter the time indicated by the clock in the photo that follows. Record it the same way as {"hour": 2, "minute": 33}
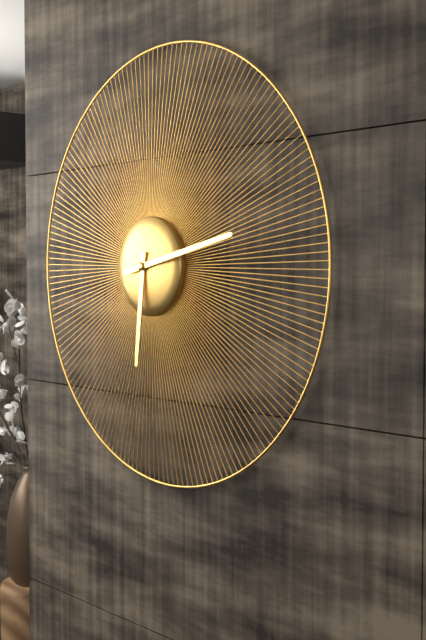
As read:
{"hour": 6, "minute": 13}
